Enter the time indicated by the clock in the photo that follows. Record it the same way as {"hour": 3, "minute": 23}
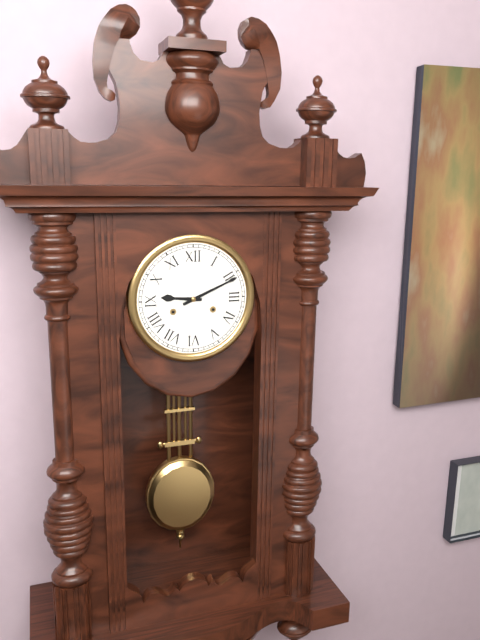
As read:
{"hour": 9, "minute": 11}
